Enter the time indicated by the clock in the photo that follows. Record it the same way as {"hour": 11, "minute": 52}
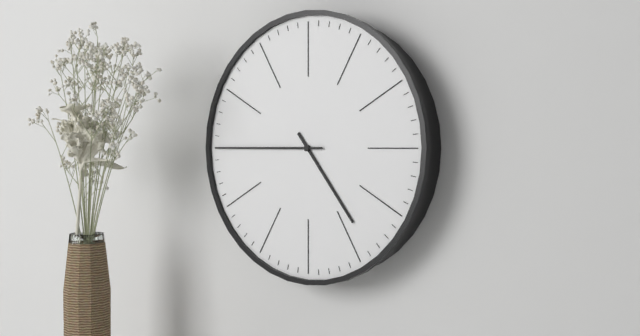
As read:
{"hour": 4, "minute": 45}
